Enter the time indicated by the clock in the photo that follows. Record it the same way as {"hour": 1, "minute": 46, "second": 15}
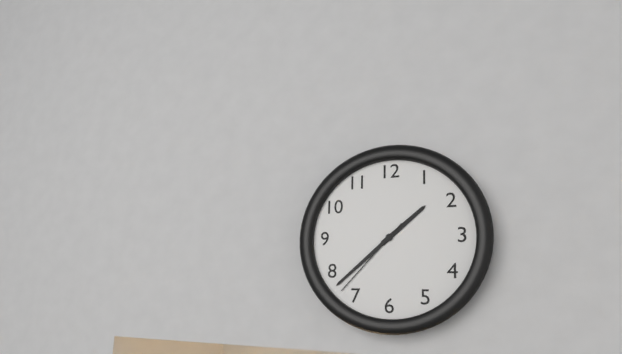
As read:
{"hour": 1, "minute": 38, "second": 37}
